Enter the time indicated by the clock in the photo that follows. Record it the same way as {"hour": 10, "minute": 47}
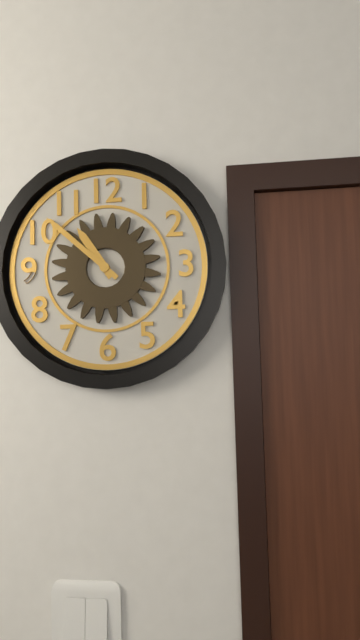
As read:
{"hour": 10, "minute": 52}
